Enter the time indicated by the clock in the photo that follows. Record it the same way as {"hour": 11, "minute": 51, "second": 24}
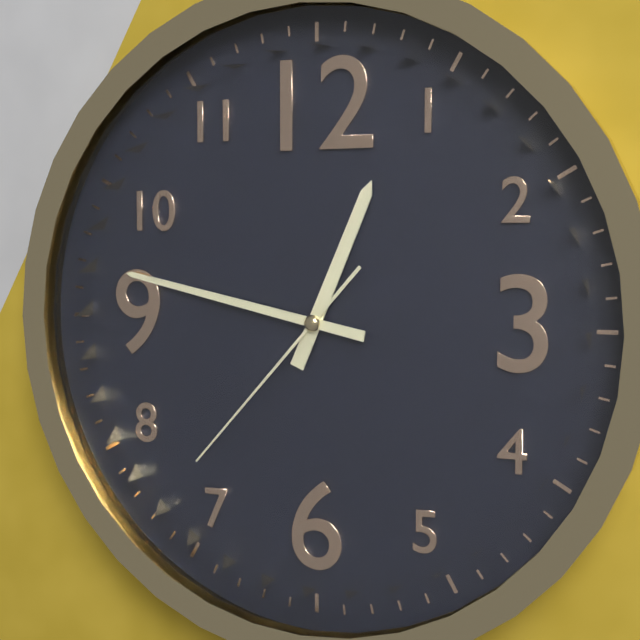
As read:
{"hour": 12, "minute": 47, "second": 37}
